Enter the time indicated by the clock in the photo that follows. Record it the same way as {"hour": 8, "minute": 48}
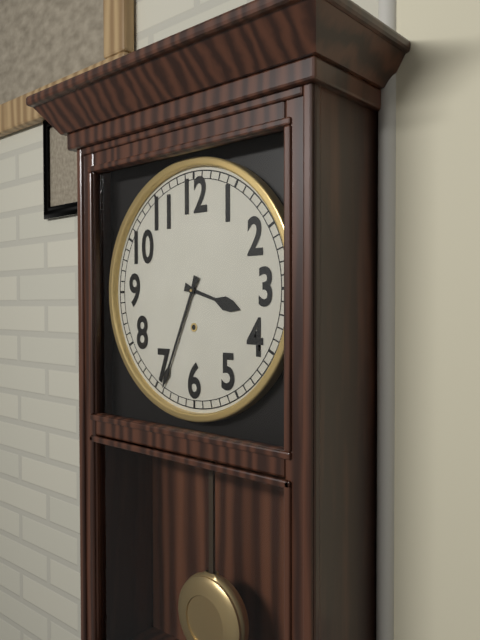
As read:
{"hour": 3, "minute": 34}
